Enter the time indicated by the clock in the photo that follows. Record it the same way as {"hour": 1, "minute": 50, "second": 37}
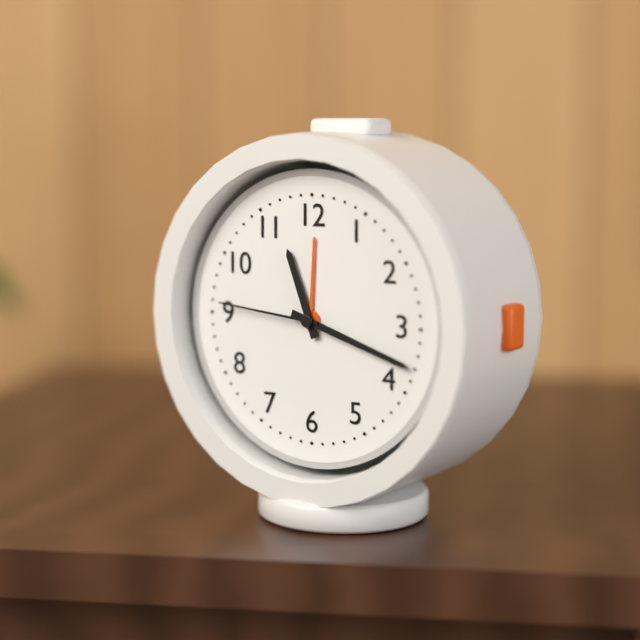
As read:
{"hour": 11, "minute": 18, "second": 46}
